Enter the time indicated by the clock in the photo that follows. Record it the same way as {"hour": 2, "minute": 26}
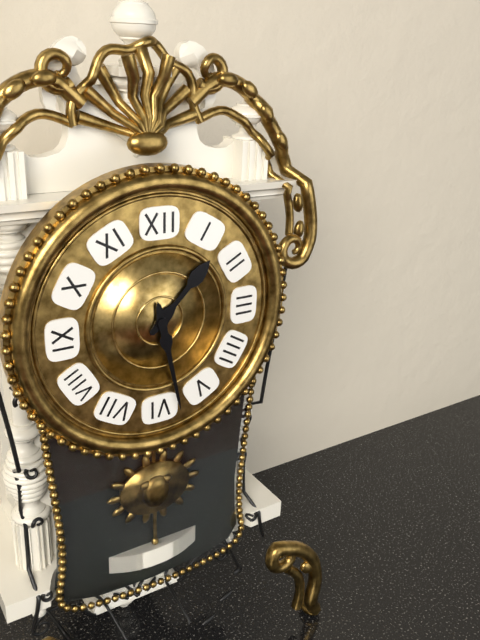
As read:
{"hour": 1, "minute": 28}
